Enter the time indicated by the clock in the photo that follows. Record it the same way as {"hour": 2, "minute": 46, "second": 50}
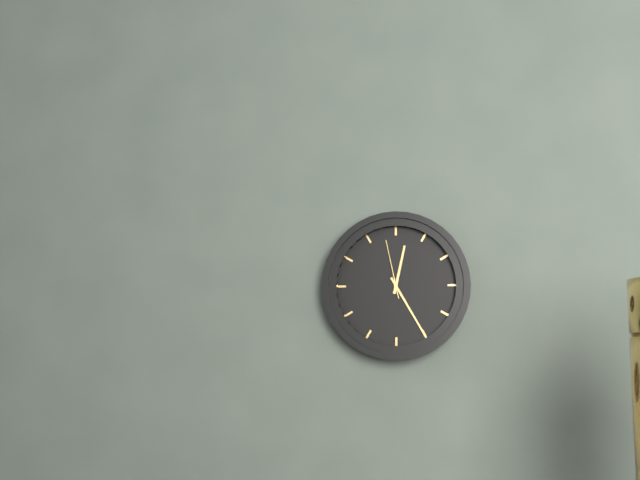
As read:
{"hour": 12, "minute": 25, "second": 58}
